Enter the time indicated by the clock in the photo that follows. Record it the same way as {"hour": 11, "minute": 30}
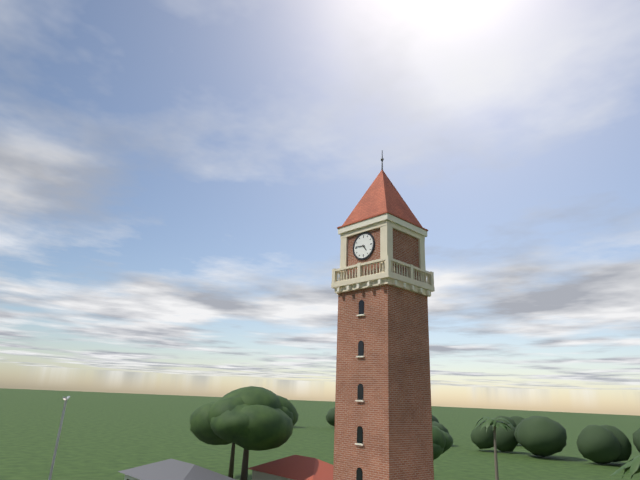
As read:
{"hour": 4, "minute": 46}
